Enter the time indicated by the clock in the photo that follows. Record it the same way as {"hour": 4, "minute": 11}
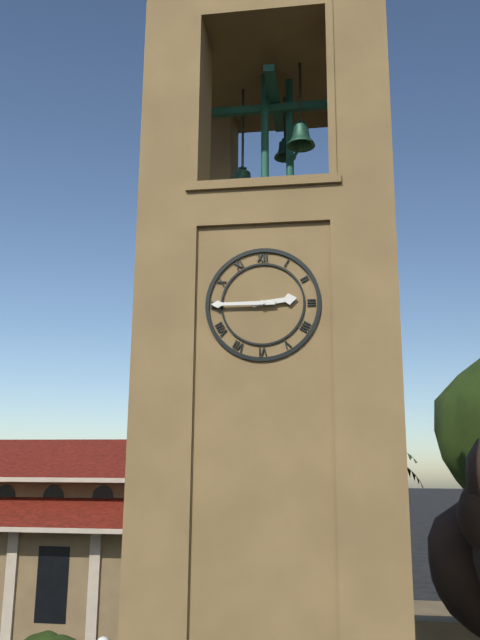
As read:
{"hour": 2, "minute": 45}
